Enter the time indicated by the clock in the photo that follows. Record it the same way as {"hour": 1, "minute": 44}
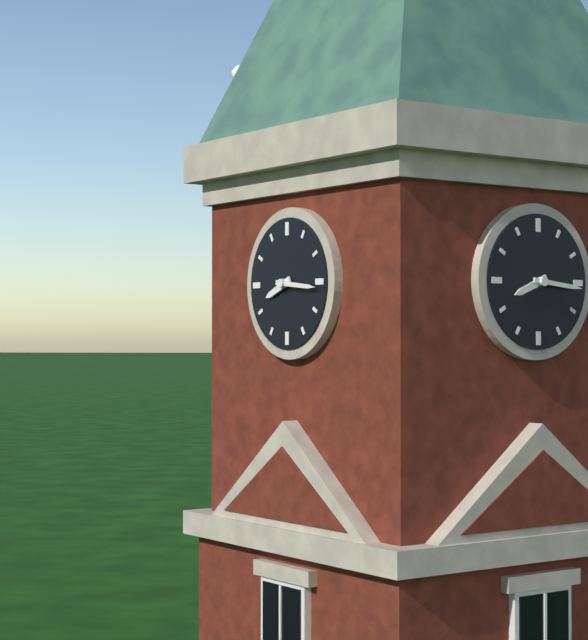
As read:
{"hour": 8, "minute": 16}
